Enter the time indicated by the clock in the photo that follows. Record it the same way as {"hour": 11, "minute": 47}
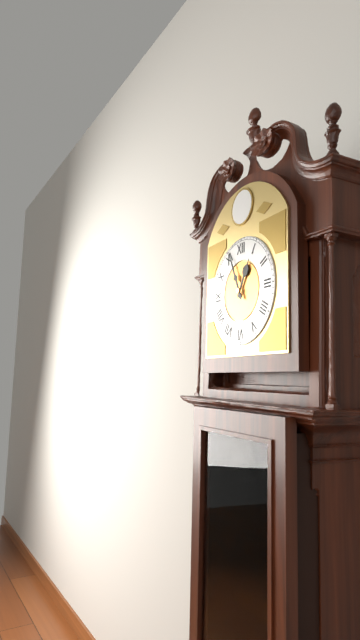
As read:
{"hour": 12, "minute": 56}
